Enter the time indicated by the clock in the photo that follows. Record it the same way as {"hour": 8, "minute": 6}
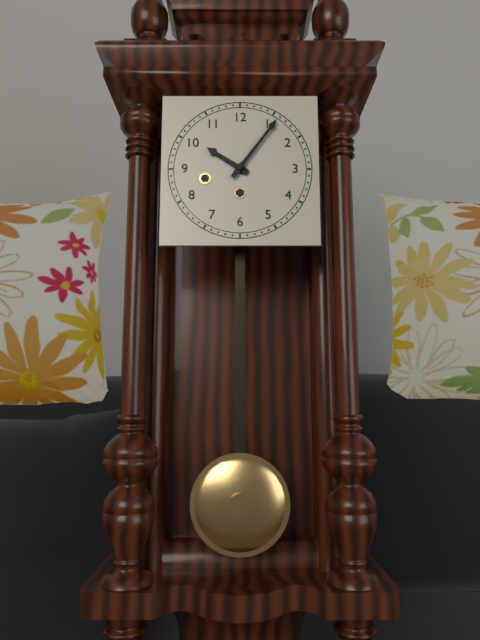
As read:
{"hour": 10, "minute": 6}
